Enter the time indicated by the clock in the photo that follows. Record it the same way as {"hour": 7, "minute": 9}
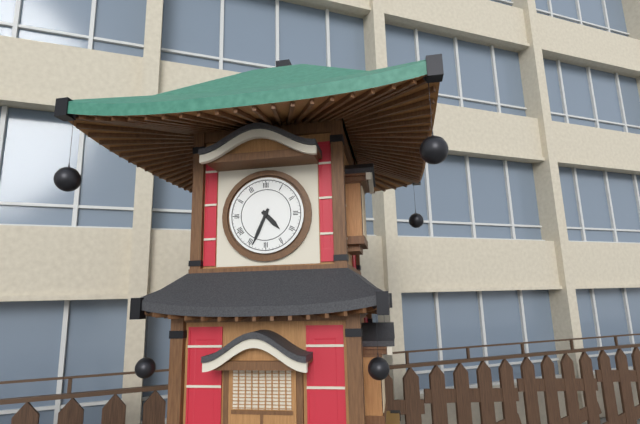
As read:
{"hour": 4, "minute": 34}
